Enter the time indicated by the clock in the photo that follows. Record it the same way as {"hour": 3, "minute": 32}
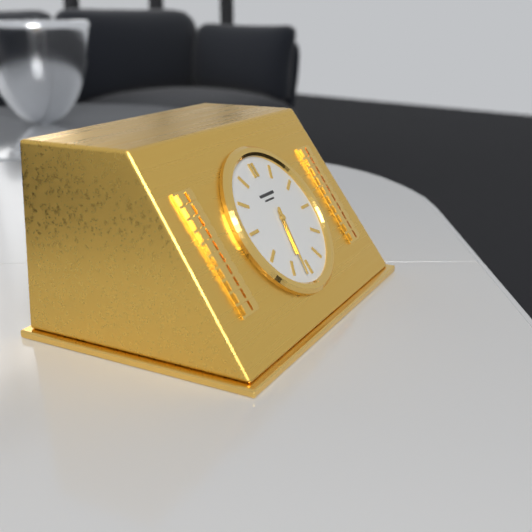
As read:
{"hour": 6, "minute": 32}
